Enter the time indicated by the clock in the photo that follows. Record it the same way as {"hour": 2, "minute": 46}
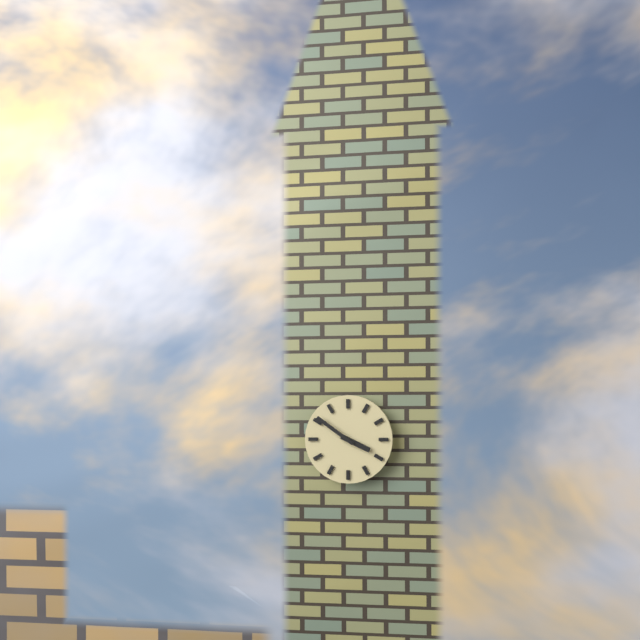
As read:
{"hour": 3, "minute": 51}
